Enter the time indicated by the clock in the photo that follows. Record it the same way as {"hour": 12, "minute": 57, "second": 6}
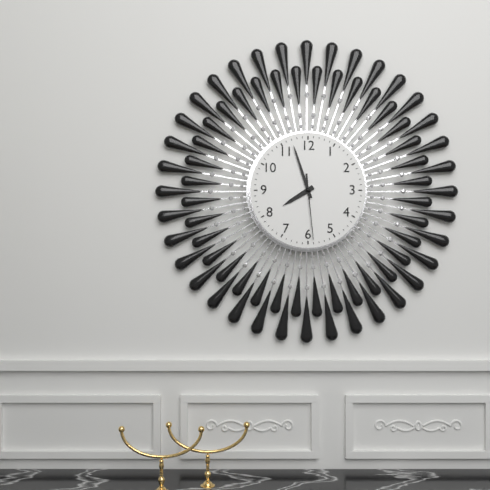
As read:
{"hour": 7, "minute": 57, "second": 29}
